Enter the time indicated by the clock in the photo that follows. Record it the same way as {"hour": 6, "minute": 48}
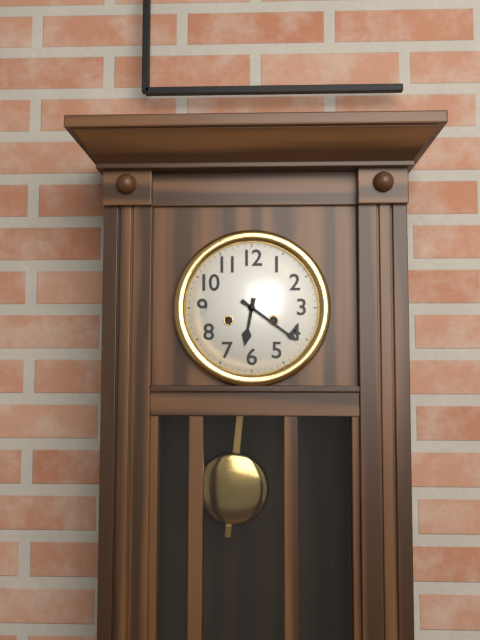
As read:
{"hour": 6, "minute": 21}
